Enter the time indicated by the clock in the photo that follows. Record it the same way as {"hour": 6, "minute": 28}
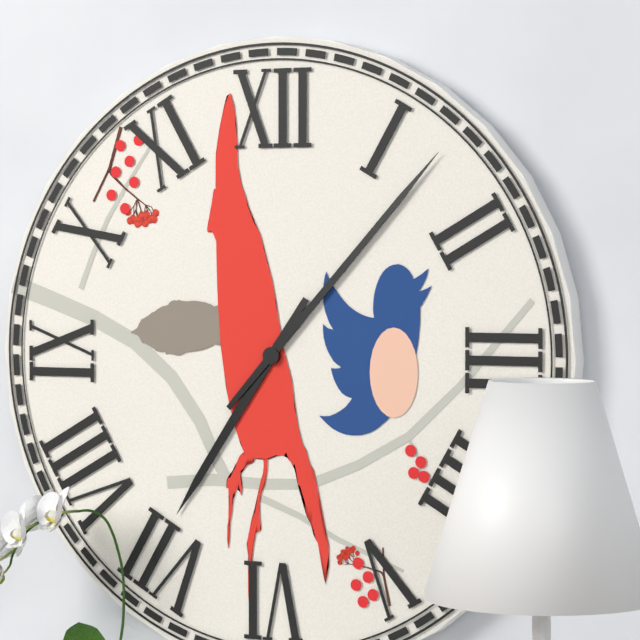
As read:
{"hour": 7, "minute": 7}
